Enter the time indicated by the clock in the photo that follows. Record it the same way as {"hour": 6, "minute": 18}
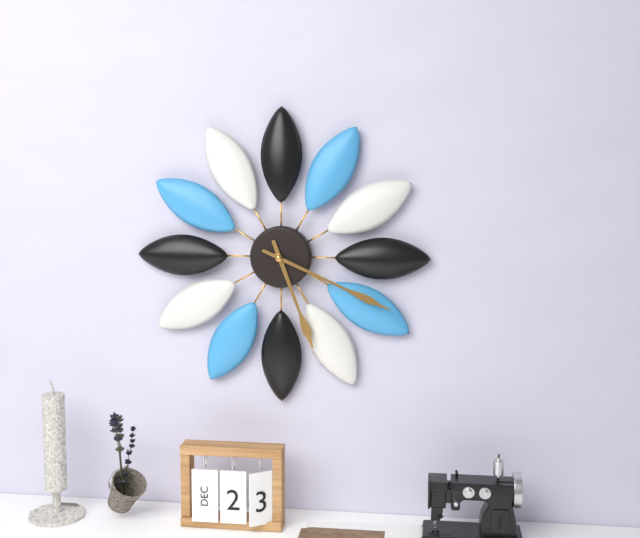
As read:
{"hour": 5, "minute": 19}
